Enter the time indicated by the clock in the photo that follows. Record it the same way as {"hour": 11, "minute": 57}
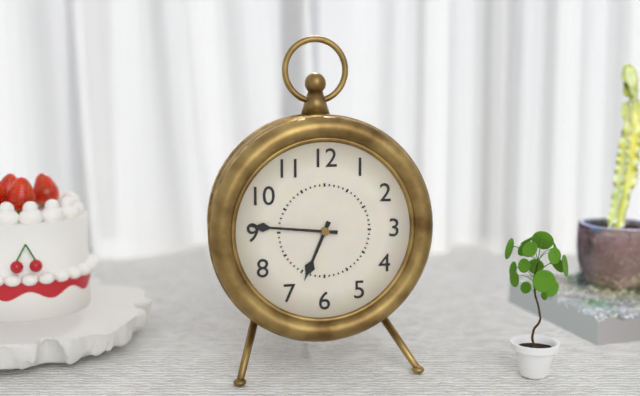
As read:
{"hour": 6, "minute": 46}
